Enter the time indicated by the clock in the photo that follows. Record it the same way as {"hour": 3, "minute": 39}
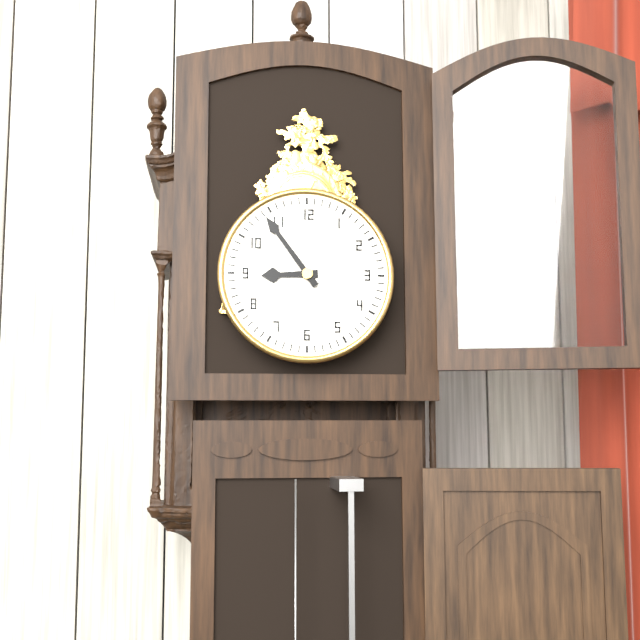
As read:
{"hour": 8, "minute": 54}
